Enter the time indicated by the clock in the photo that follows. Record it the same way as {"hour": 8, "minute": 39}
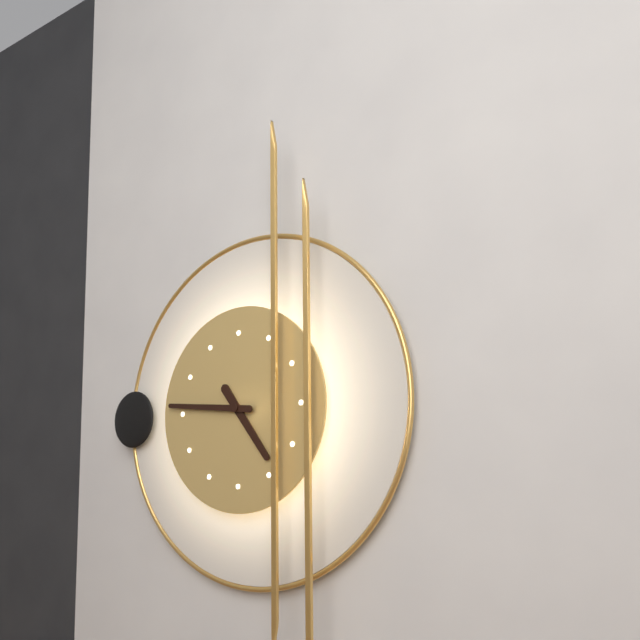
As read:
{"hour": 4, "minute": 46}
